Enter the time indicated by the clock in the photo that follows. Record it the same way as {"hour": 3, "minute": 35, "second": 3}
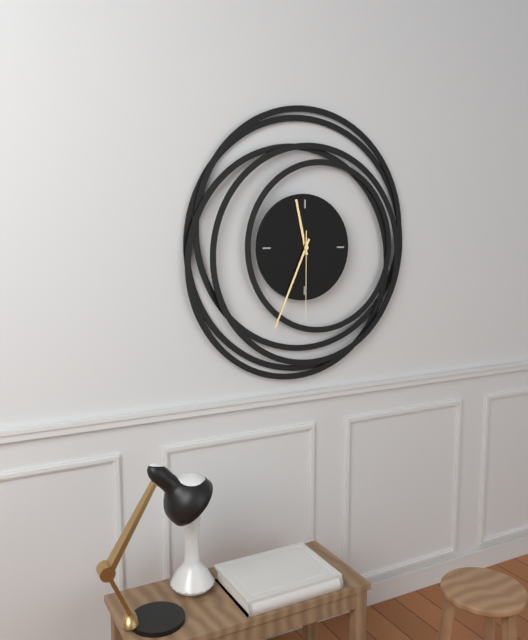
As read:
{"hour": 11, "minute": 34, "second": 30}
